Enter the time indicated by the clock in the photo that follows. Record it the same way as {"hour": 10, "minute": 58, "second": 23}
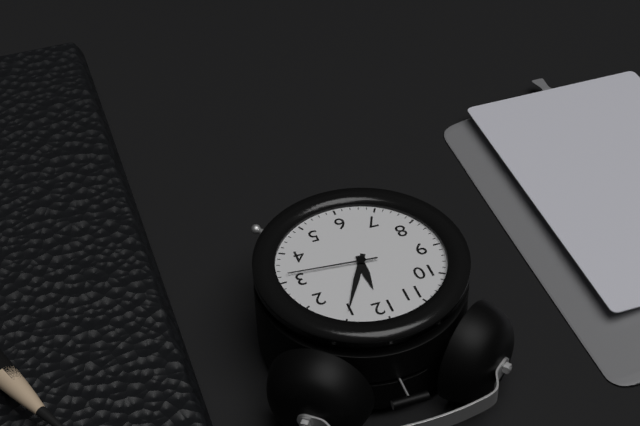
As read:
{"hour": 12, "minute": 5, "second": 16}
